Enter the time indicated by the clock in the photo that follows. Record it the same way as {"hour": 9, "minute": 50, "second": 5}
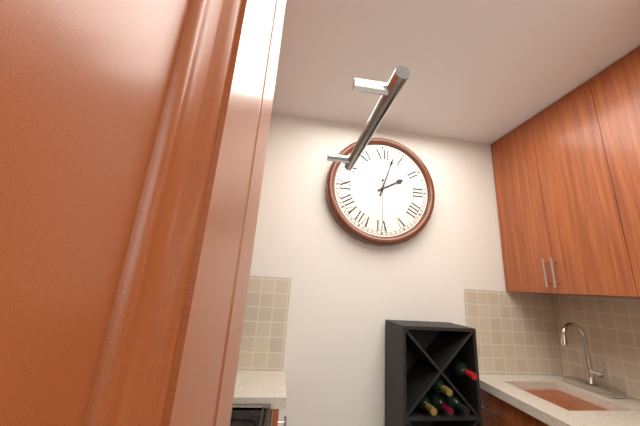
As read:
{"hour": 2, "minute": 3, "second": 30}
